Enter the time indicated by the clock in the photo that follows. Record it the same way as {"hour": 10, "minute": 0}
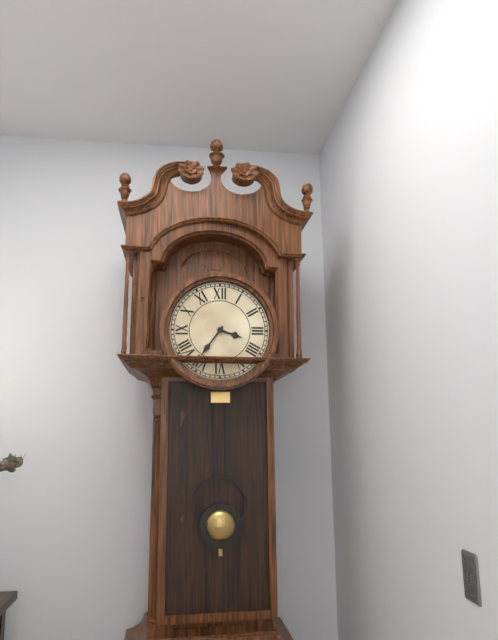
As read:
{"hour": 3, "minute": 36}
